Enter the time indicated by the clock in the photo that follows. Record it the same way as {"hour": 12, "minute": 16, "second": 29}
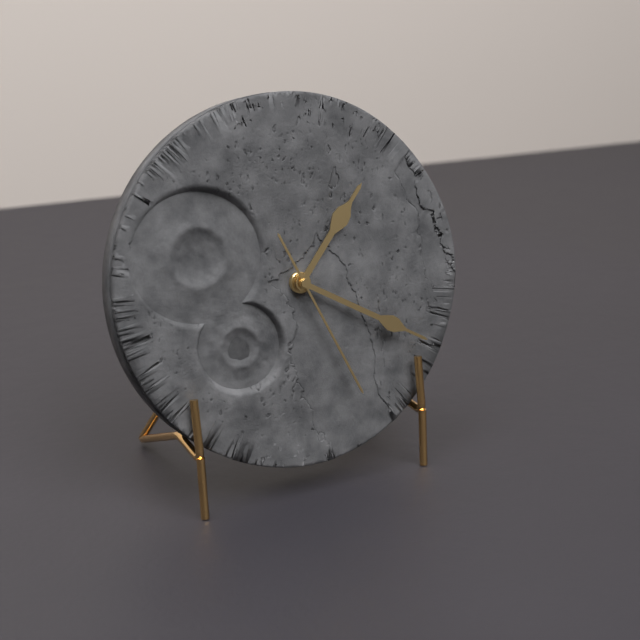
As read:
{"hour": 1, "minute": 20, "second": 26}
